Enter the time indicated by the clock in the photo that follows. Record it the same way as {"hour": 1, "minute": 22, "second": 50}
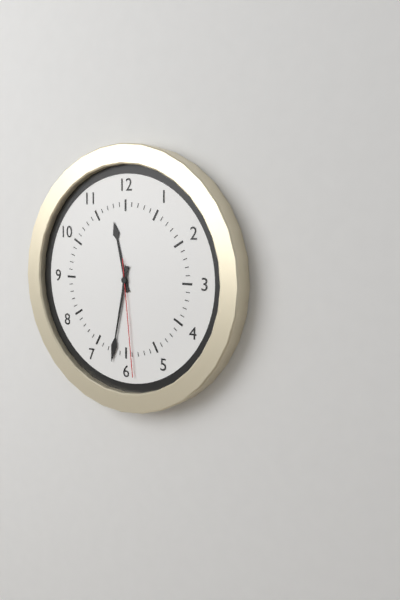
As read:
{"hour": 11, "minute": 32, "second": 29}
